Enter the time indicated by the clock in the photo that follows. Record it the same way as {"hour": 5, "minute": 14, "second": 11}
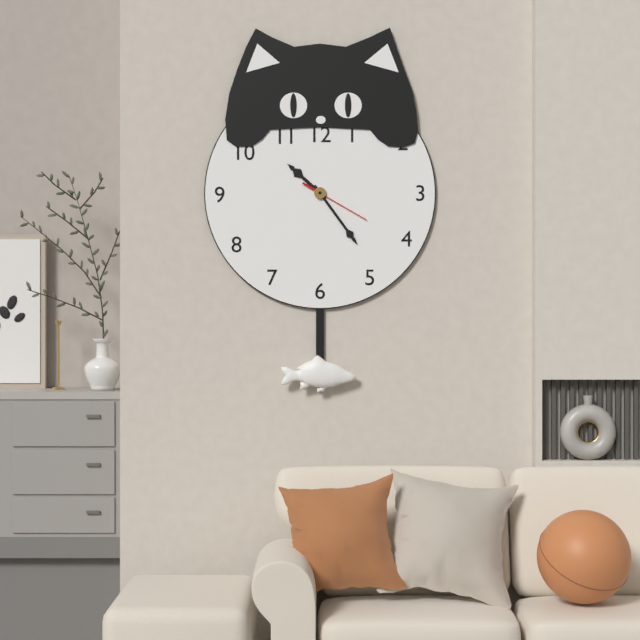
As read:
{"hour": 10, "minute": 24, "second": 20}
